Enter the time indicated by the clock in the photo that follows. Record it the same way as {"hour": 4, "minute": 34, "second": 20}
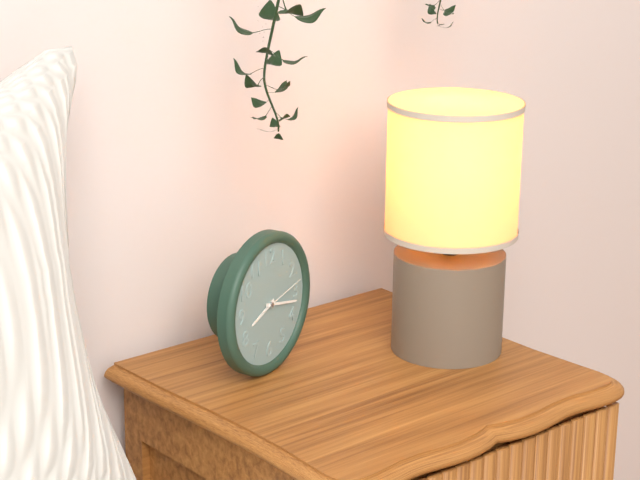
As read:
{"hour": 8, "minute": 17, "second": 13}
